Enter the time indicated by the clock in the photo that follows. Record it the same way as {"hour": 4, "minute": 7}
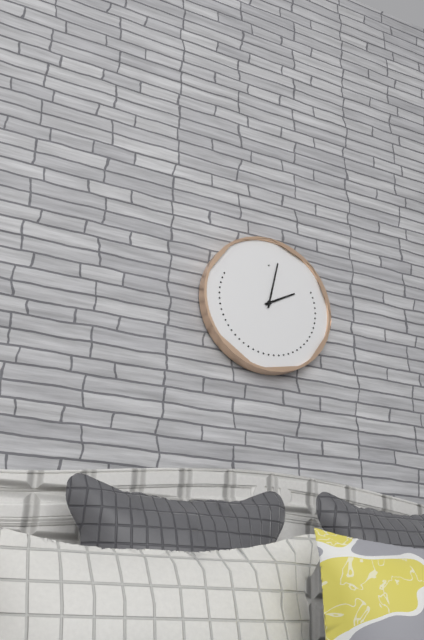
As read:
{"hour": 2, "minute": 2}
